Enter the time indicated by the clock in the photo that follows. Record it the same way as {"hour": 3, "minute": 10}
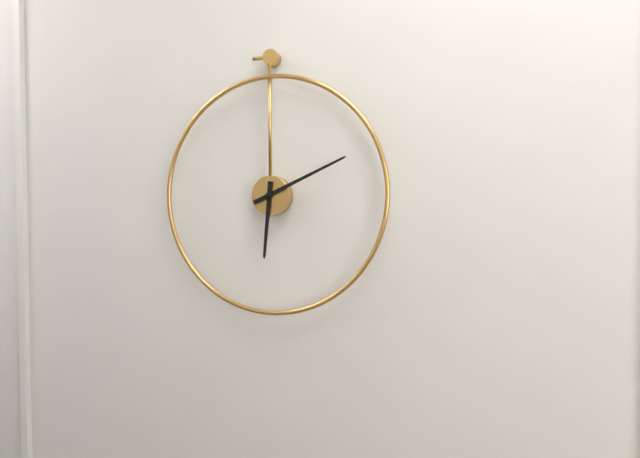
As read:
{"hour": 6, "minute": 11}
